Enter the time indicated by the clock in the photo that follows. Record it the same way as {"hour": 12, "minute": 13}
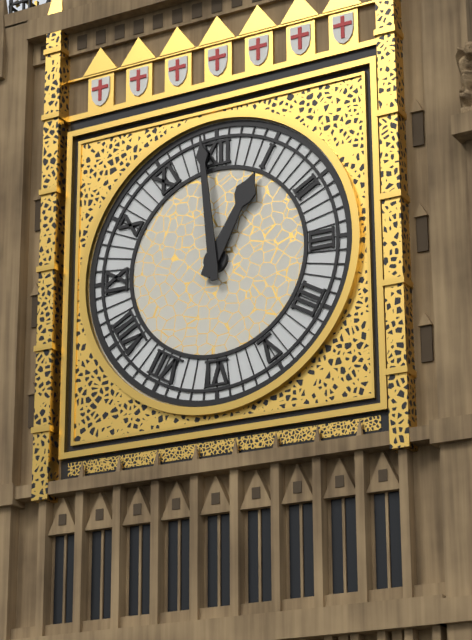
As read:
{"hour": 12, "minute": 59}
